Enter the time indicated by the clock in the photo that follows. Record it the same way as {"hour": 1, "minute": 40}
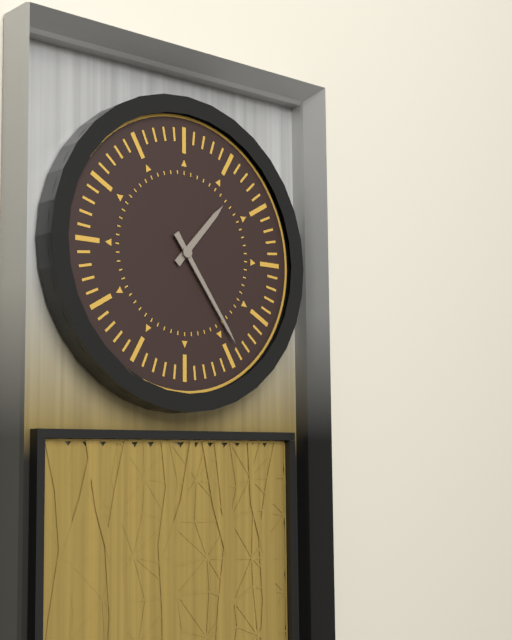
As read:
{"hour": 1, "minute": 24}
